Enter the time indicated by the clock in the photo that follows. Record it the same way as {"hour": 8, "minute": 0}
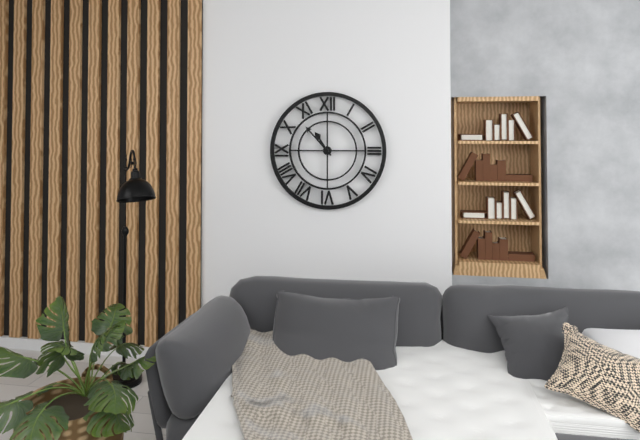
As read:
{"hour": 10, "minute": 53}
